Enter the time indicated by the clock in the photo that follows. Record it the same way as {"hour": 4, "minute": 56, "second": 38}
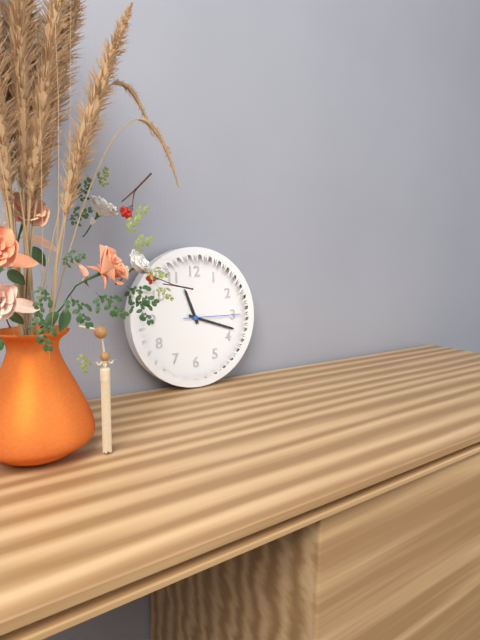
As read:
{"hour": 11, "minute": 18, "second": 15}
